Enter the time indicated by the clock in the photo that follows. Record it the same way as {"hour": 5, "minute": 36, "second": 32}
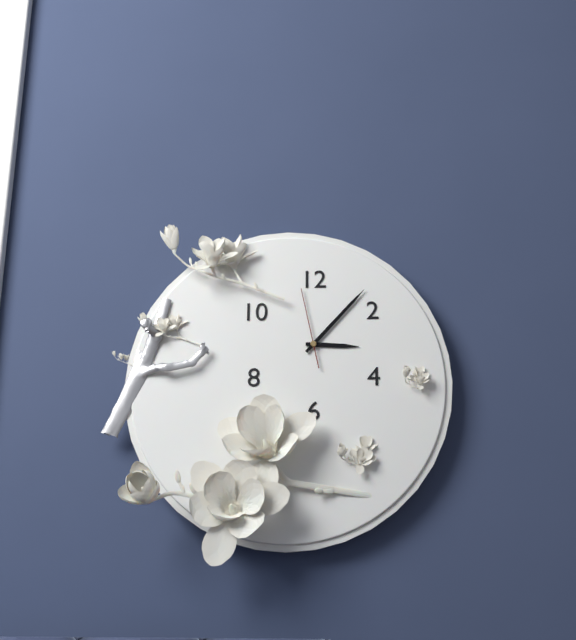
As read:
{"hour": 3, "minute": 7, "second": 58}
